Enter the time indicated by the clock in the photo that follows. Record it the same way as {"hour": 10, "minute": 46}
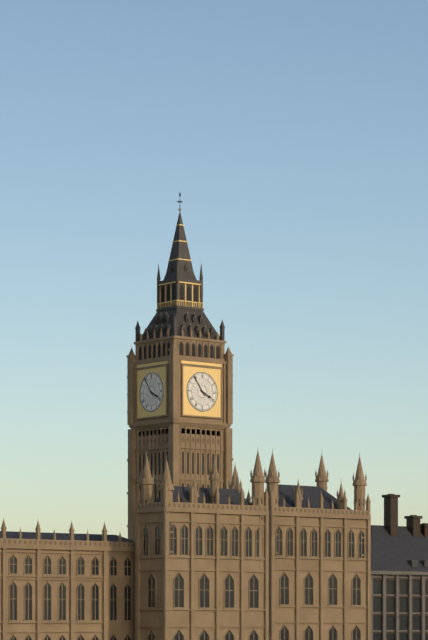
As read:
{"hour": 3, "minute": 54}
